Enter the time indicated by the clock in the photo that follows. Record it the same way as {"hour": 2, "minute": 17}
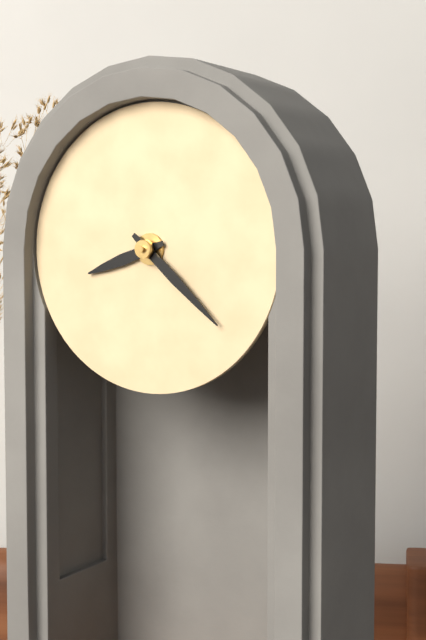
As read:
{"hour": 8, "minute": 22}
